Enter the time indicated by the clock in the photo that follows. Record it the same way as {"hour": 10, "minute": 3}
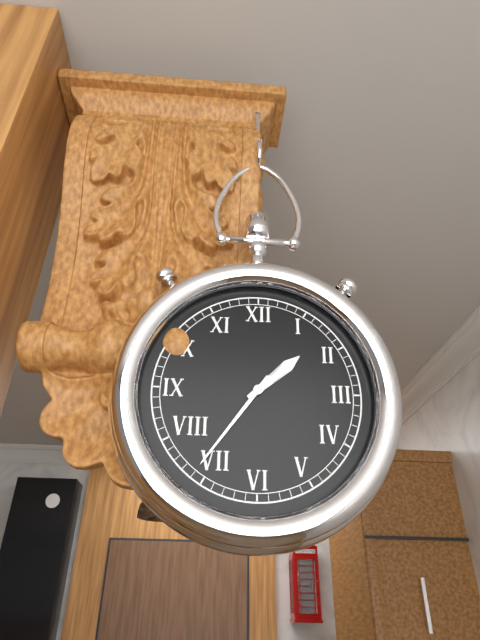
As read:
{"hour": 1, "minute": 36}
